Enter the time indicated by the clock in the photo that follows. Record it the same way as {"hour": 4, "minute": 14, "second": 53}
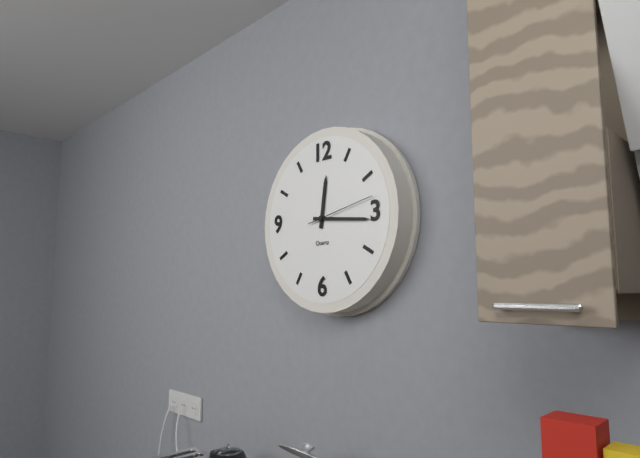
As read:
{"hour": 12, "minute": 16, "second": 13}
